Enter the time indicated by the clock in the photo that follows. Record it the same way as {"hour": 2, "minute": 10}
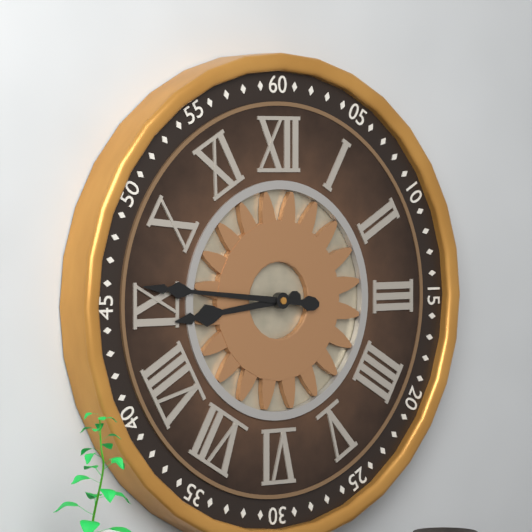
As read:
{"hour": 8, "minute": 46}
